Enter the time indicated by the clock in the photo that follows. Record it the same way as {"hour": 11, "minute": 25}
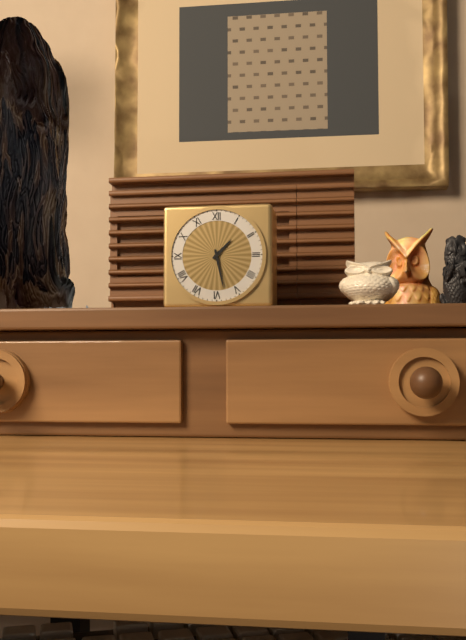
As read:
{"hour": 1, "minute": 28}
